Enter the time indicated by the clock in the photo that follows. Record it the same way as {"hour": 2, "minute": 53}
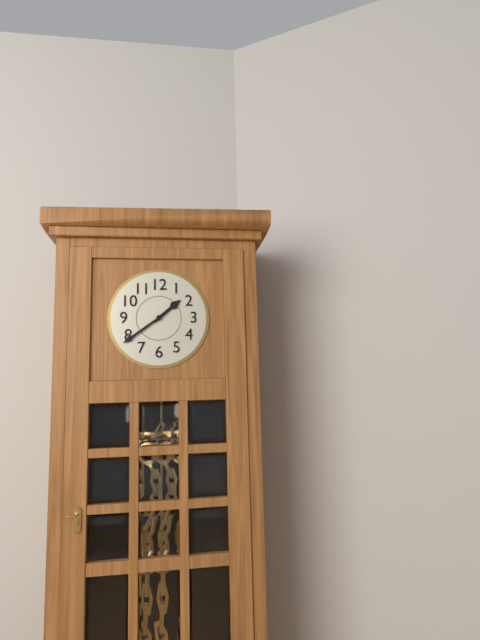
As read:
{"hour": 1, "minute": 39}
